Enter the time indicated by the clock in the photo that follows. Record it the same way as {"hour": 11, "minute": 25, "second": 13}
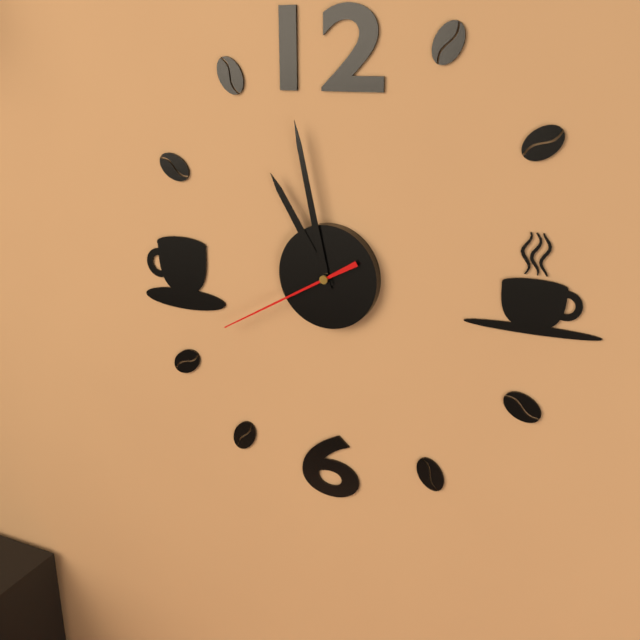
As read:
{"hour": 10, "minute": 58, "second": 40}
